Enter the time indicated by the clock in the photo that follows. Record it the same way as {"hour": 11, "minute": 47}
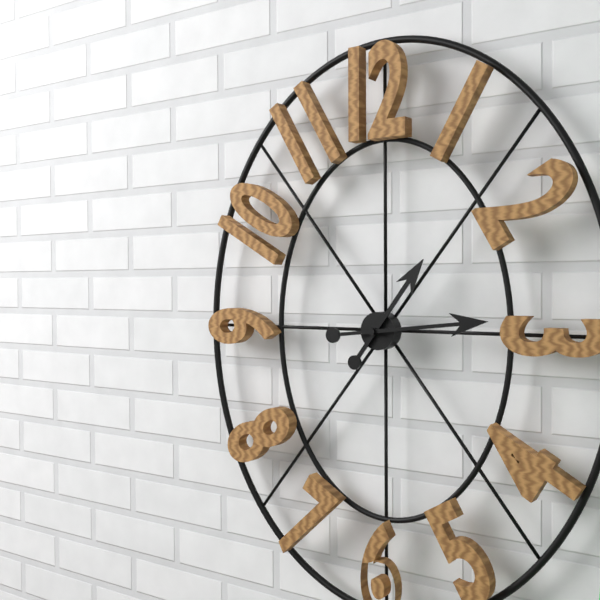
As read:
{"hour": 1, "minute": 14}
